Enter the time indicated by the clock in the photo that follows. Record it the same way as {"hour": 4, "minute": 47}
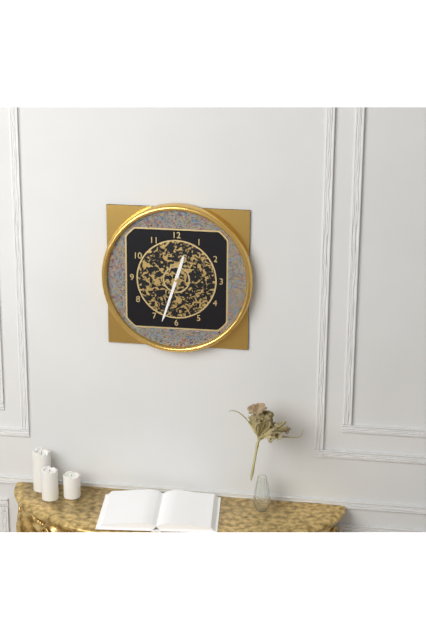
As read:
{"hour": 12, "minute": 33}
